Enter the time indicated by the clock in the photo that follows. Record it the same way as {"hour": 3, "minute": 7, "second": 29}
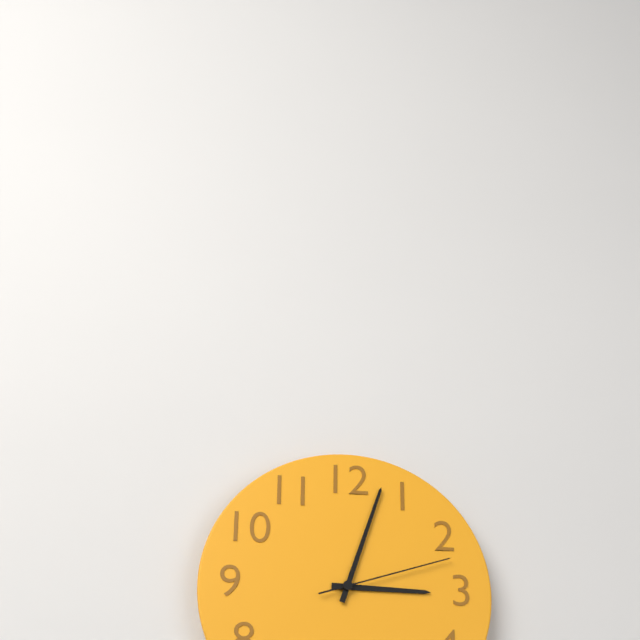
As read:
{"hour": 3, "minute": 3, "second": 12}
